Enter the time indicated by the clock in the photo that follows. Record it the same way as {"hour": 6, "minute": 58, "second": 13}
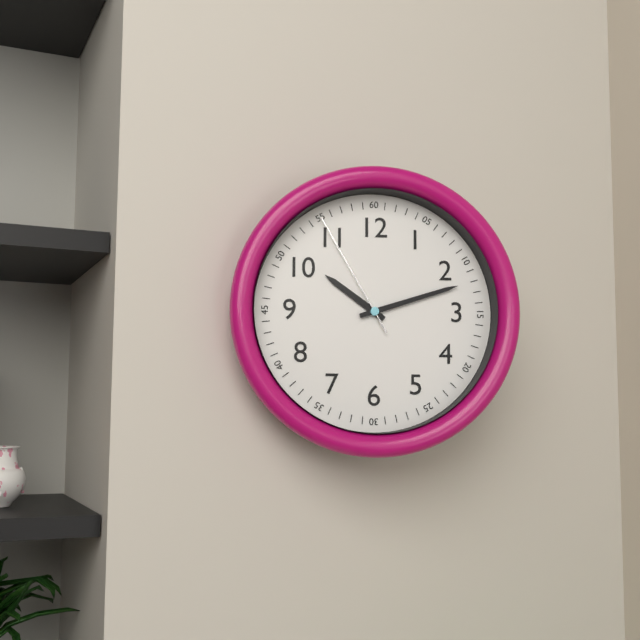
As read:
{"hour": 10, "minute": 12, "second": 55}
